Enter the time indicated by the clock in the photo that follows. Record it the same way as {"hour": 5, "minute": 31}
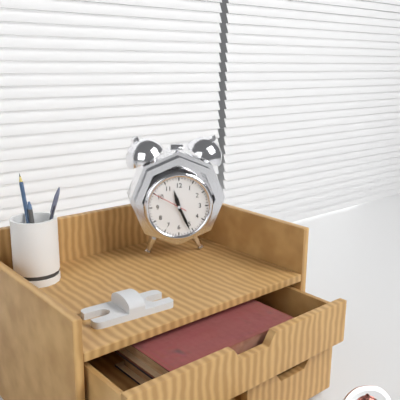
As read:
{"hour": 11, "minute": 26}
